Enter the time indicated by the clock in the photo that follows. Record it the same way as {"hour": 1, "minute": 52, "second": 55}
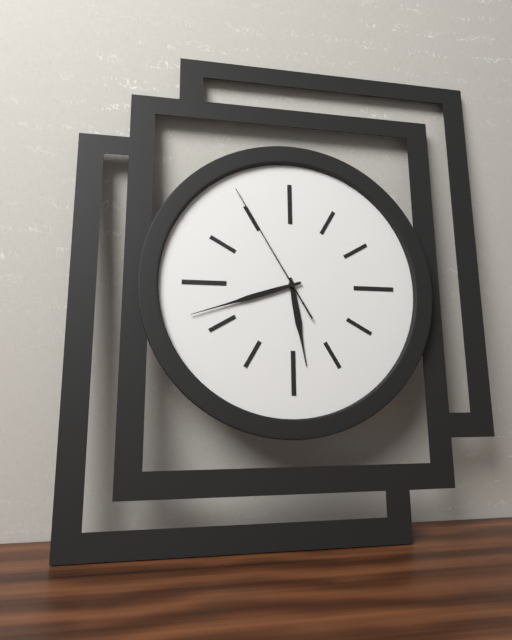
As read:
{"hour": 5, "minute": 42, "second": 55}
